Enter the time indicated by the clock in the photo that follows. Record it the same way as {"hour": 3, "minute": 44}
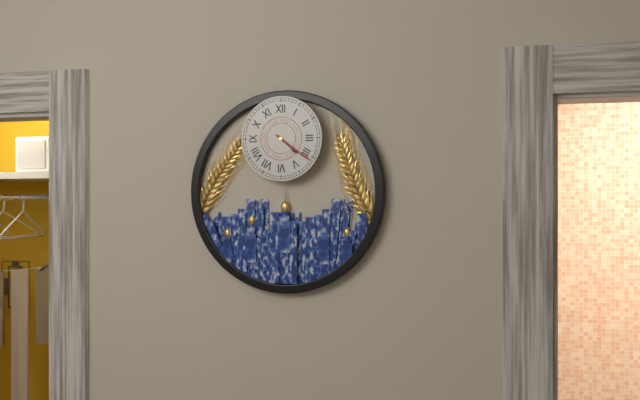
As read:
{"hour": 4, "minute": 21}
